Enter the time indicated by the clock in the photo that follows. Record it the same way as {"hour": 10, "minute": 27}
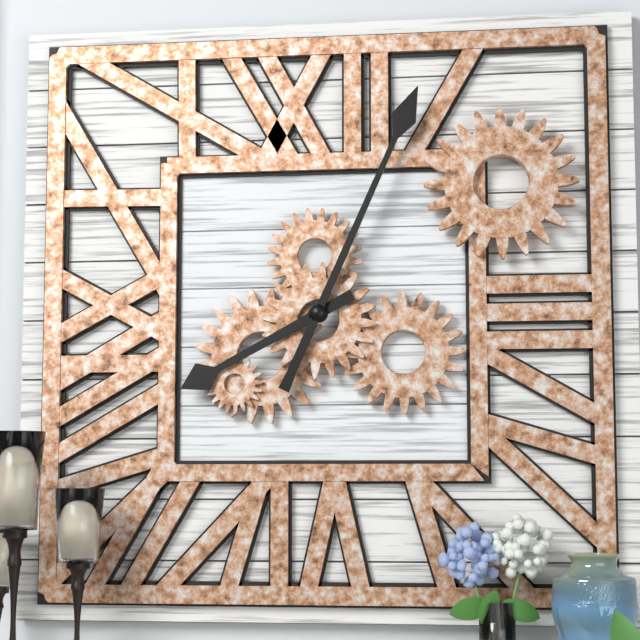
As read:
{"hour": 8, "minute": 4}
